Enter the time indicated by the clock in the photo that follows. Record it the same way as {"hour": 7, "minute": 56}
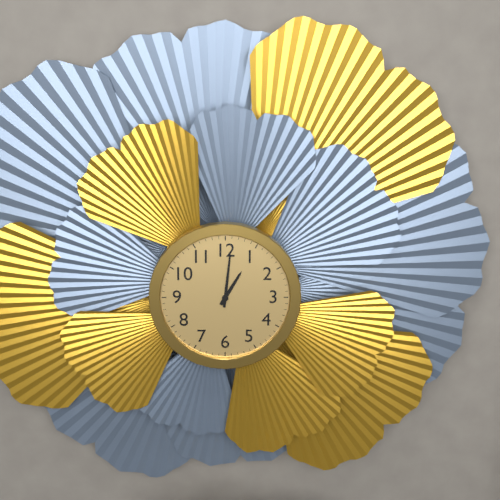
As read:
{"hour": 1, "minute": 1}
